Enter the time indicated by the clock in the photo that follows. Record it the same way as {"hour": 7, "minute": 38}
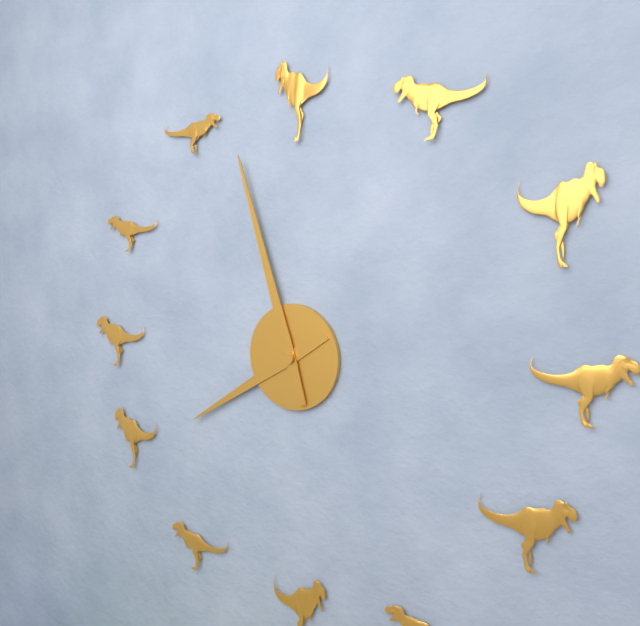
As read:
{"hour": 7, "minute": 57}
